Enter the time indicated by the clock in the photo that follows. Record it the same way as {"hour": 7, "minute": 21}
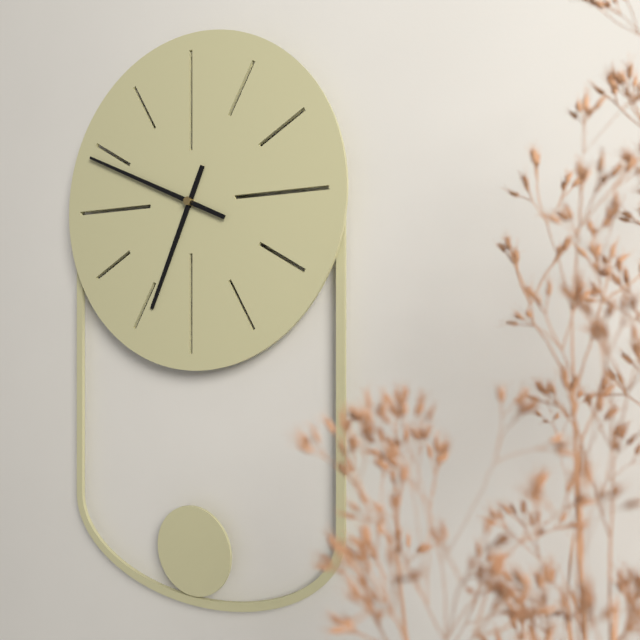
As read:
{"hour": 6, "minute": 49}
